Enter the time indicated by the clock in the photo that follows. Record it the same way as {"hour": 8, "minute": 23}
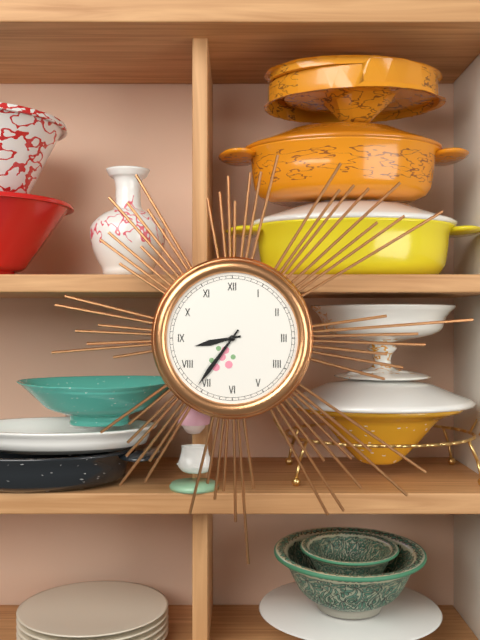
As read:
{"hour": 8, "minute": 36}
